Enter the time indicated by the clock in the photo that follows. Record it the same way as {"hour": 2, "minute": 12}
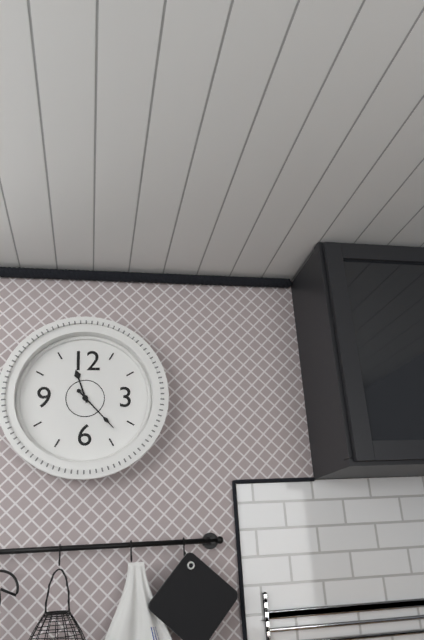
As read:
{"hour": 11, "minute": 23}
